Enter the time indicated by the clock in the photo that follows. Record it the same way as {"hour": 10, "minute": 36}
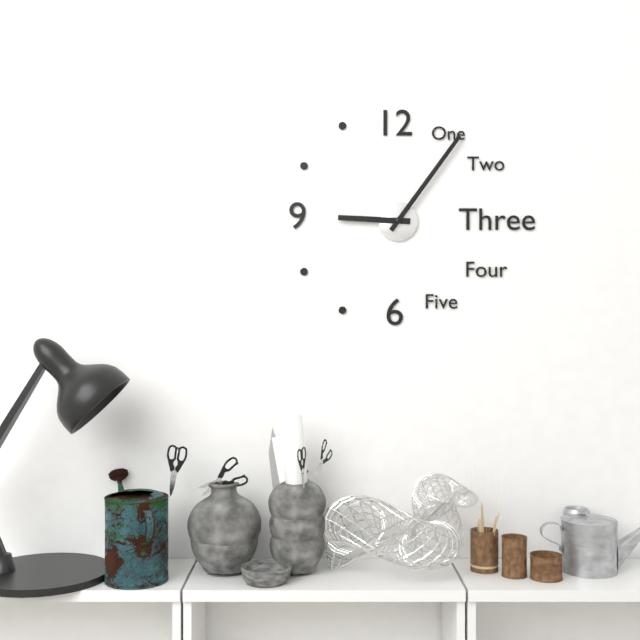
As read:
{"hour": 9, "minute": 6}
